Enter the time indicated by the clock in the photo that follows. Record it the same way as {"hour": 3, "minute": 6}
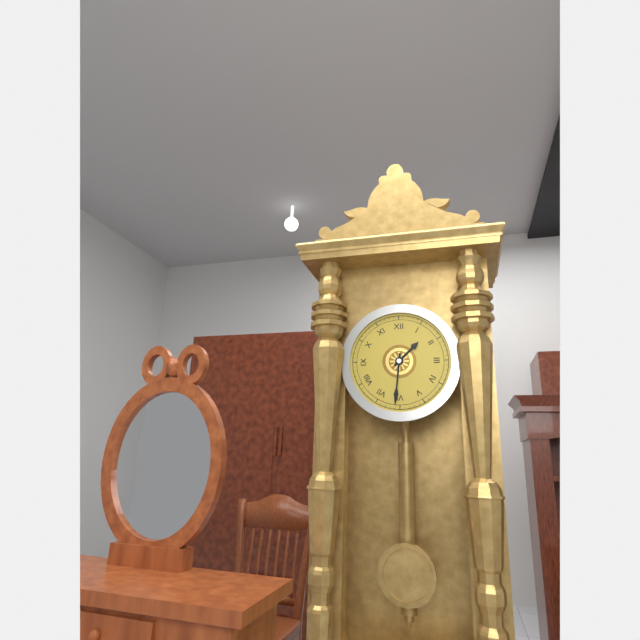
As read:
{"hour": 1, "minute": 31}
